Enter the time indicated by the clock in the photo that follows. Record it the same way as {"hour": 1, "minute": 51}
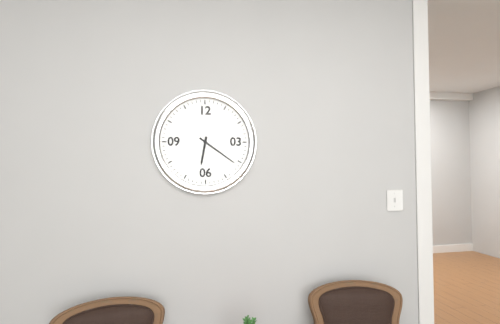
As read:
{"hour": 6, "minute": 21}
